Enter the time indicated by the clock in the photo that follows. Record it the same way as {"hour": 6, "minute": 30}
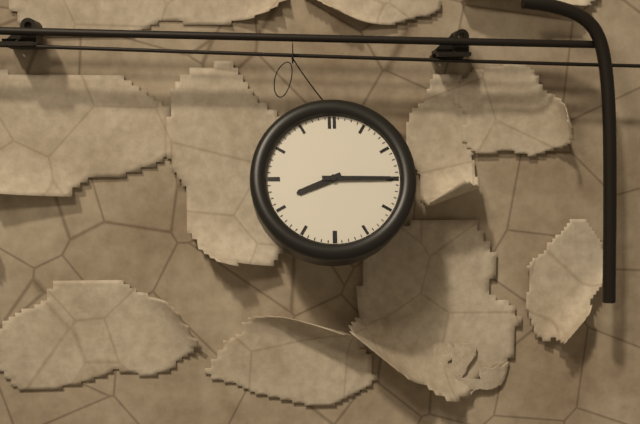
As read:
{"hour": 8, "minute": 15}
